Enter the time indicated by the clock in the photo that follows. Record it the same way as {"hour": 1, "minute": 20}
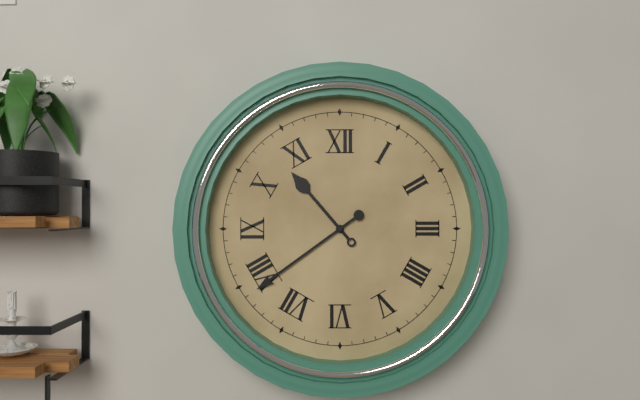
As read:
{"hour": 10, "minute": 39}
